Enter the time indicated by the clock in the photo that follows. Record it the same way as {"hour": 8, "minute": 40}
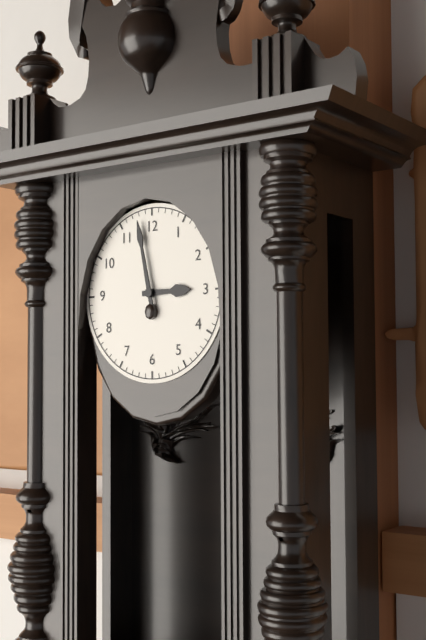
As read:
{"hour": 2, "minute": 58}
